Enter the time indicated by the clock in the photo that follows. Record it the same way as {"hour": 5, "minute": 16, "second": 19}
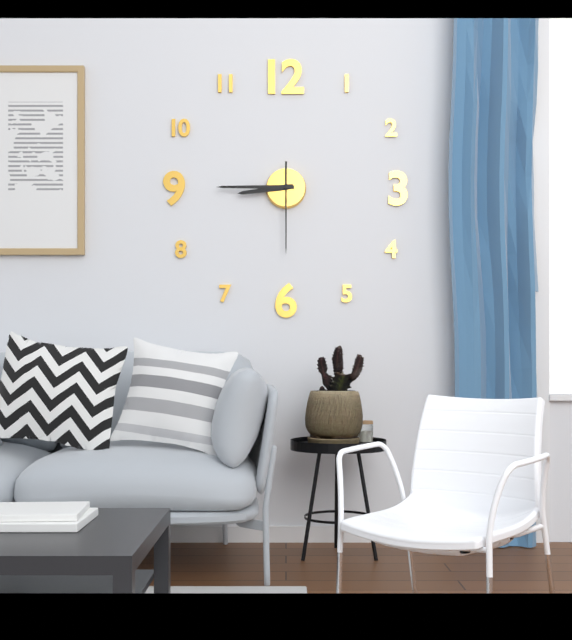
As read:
{"hour": 8, "minute": 45, "second": 30}
